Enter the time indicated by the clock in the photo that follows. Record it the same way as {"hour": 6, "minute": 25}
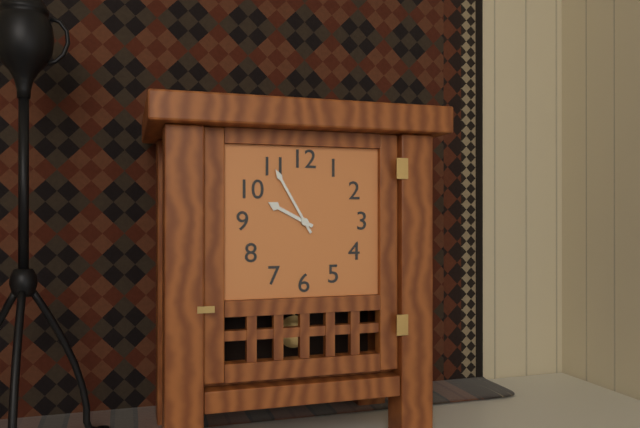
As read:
{"hour": 9, "minute": 55}
